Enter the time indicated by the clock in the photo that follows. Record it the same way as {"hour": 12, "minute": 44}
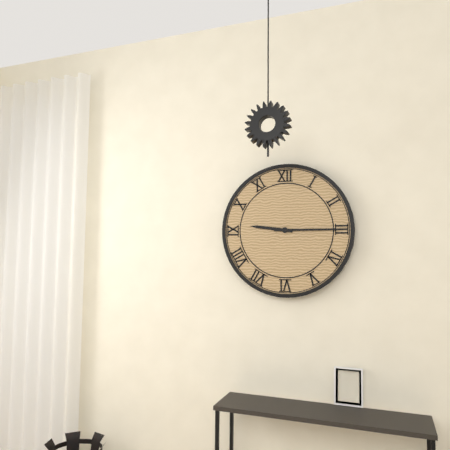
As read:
{"hour": 9, "minute": 15}
